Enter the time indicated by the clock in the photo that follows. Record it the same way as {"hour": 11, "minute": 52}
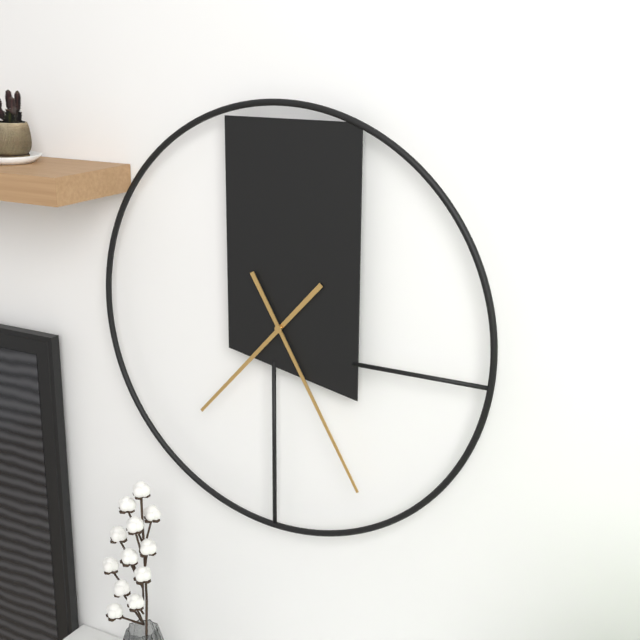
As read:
{"hour": 7, "minute": 25}
